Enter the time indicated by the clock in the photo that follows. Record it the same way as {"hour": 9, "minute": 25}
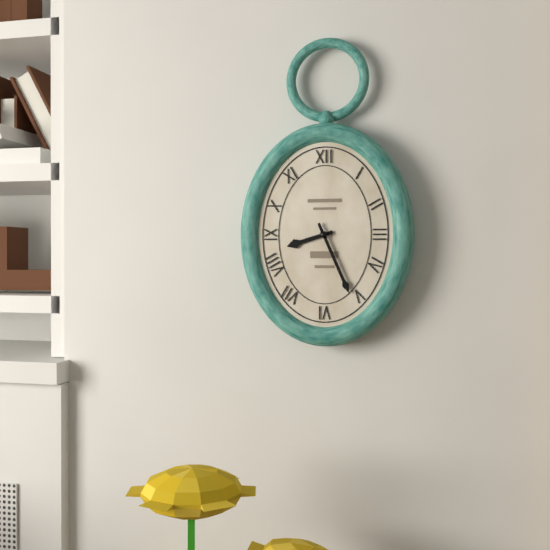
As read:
{"hour": 8, "minute": 26}
